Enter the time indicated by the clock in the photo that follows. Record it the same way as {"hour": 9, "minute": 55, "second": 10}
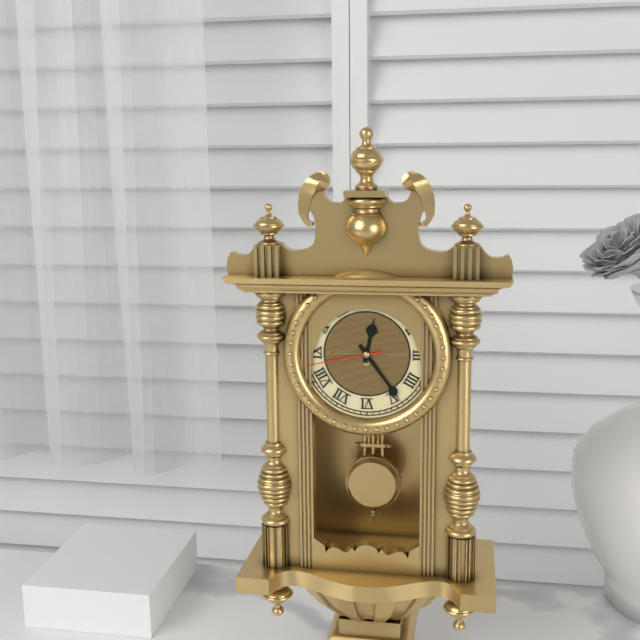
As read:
{"hour": 12, "minute": 24, "second": 43}
